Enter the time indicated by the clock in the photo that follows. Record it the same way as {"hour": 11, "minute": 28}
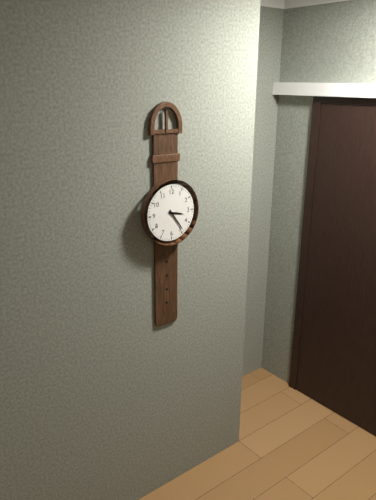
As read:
{"hour": 3, "minute": 24}
